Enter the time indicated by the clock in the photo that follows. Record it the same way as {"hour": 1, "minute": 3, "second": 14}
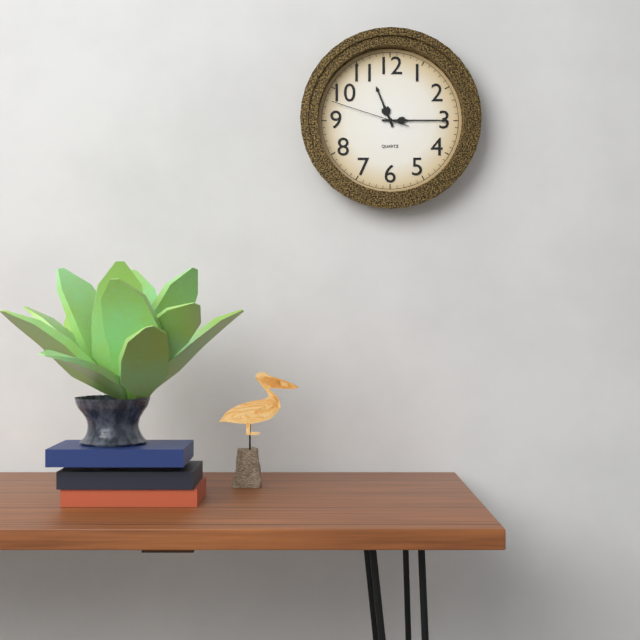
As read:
{"hour": 11, "minute": 15, "second": 48}
